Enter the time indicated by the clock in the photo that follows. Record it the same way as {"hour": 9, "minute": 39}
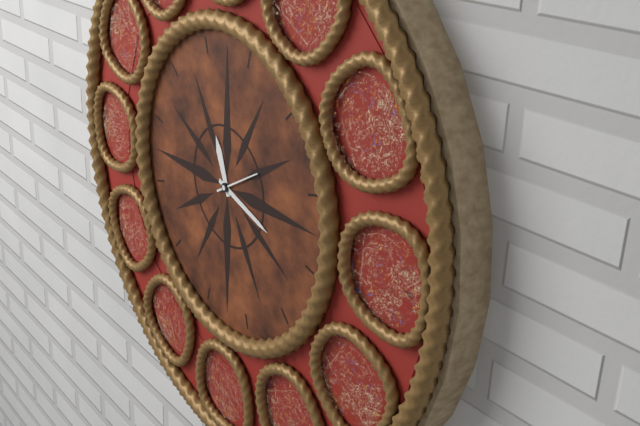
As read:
{"hour": 11, "minute": 18}
